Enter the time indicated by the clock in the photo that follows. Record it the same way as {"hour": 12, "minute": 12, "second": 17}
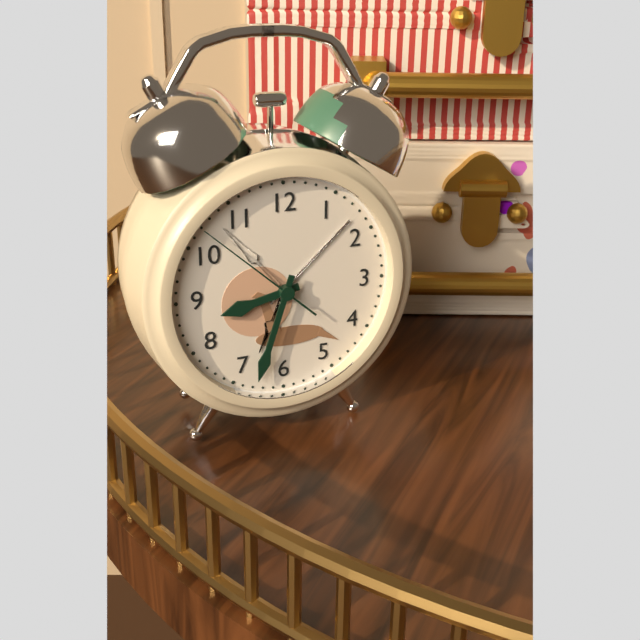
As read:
{"hour": 8, "minute": 33, "second": 52}
